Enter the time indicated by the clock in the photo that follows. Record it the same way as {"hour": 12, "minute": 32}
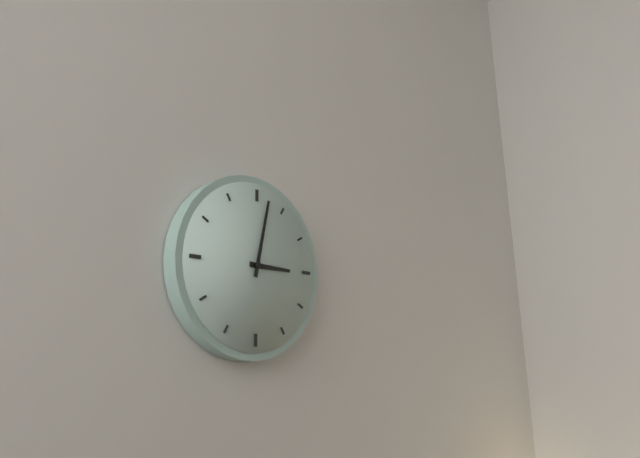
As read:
{"hour": 3, "minute": 2}
